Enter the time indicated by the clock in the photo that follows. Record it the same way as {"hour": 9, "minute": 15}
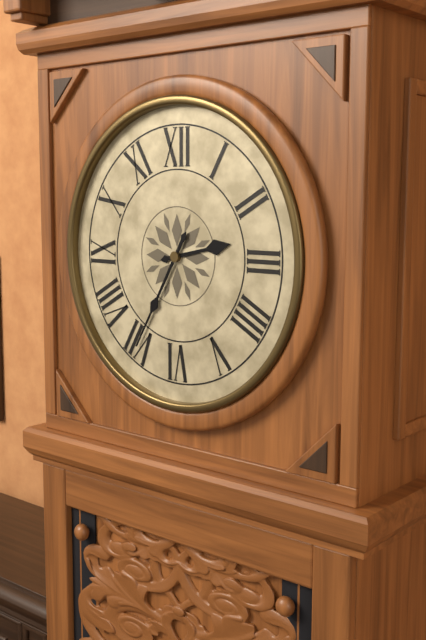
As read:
{"hour": 2, "minute": 35}
